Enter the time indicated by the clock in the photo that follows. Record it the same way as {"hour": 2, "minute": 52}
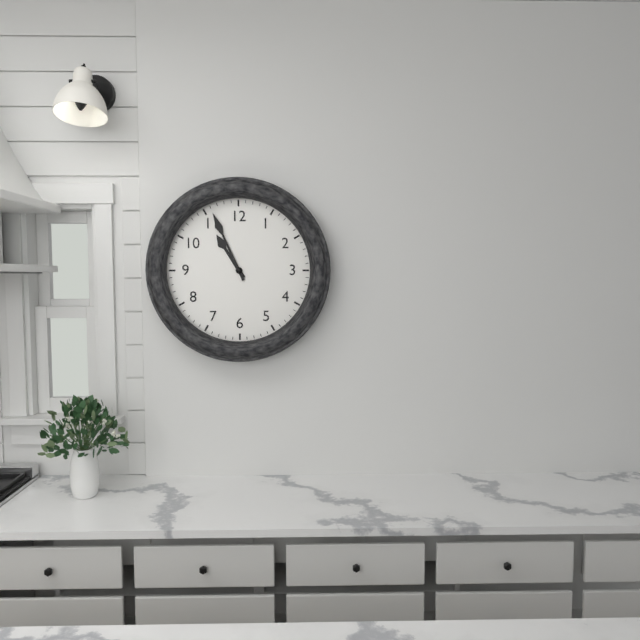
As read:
{"hour": 10, "minute": 56}
